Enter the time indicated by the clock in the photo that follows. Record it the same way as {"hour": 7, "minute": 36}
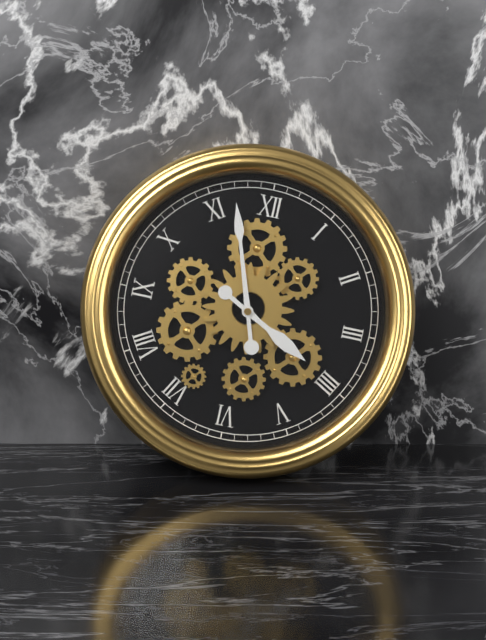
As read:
{"hour": 3, "minute": 57}
